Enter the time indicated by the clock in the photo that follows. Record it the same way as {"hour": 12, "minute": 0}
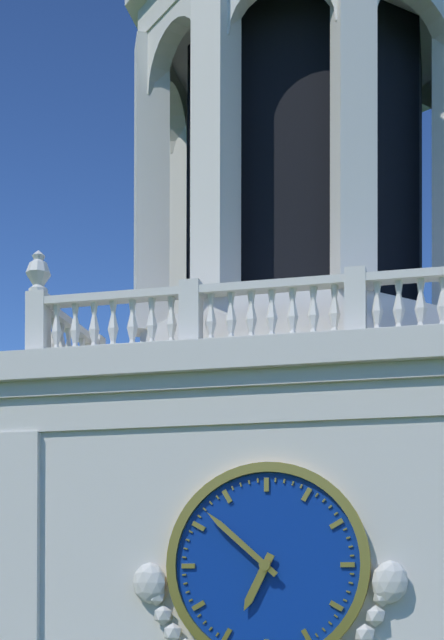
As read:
{"hour": 6, "minute": 52}
